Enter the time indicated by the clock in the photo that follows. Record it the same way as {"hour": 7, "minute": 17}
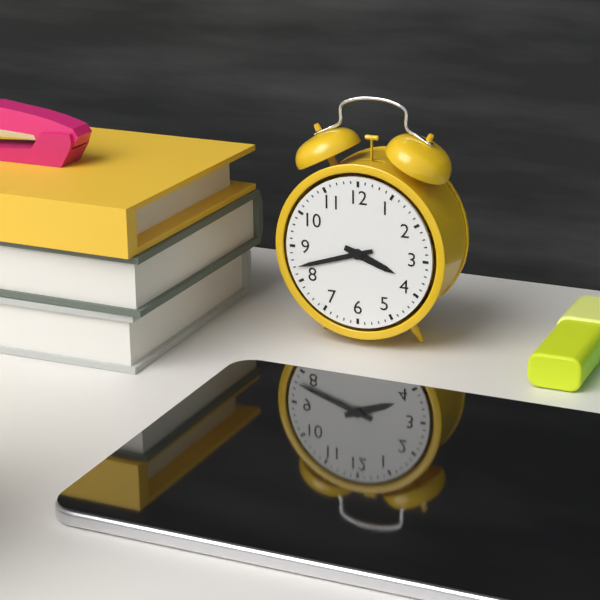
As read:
{"hour": 3, "minute": 42}
